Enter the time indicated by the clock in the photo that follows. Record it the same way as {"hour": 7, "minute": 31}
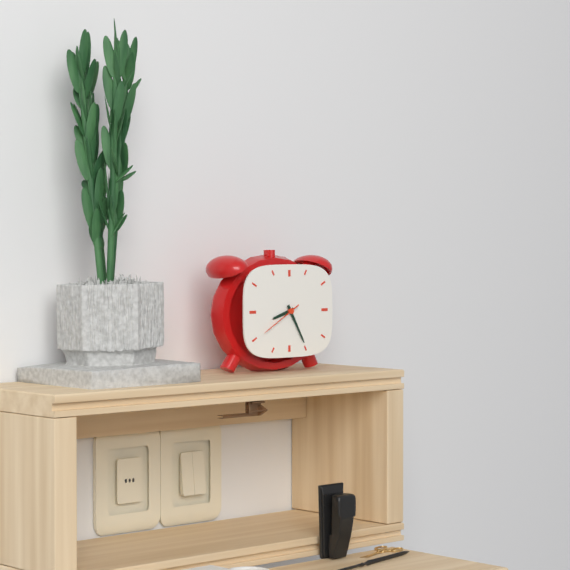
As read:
{"hour": 8, "minute": 25}
